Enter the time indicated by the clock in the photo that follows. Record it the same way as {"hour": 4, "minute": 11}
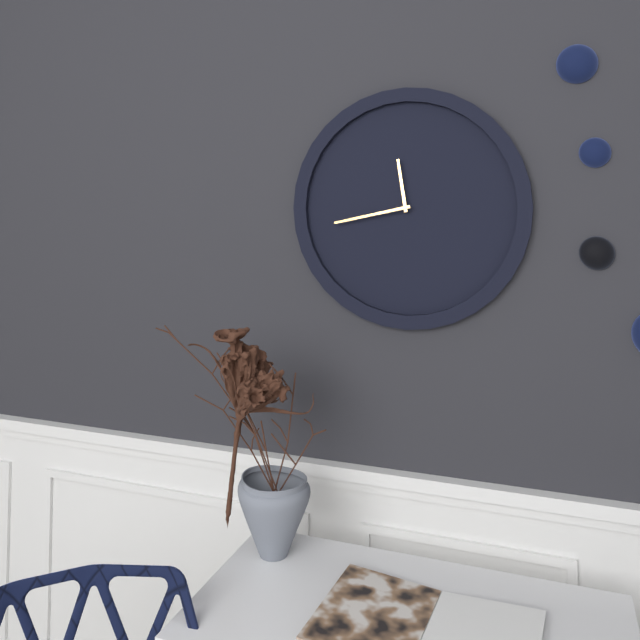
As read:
{"hour": 11, "minute": 43}
